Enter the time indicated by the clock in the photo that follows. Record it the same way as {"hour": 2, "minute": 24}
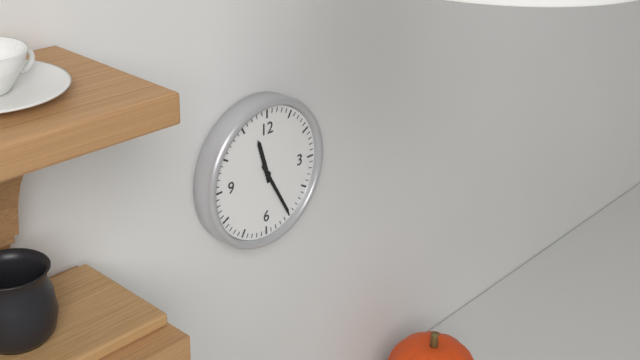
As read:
{"hour": 11, "minute": 25}
